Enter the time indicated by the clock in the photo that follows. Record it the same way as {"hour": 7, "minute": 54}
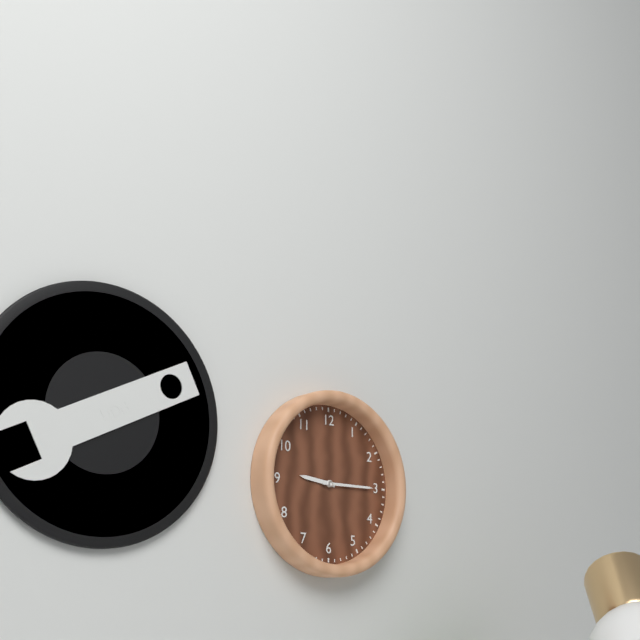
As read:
{"hour": 9, "minute": 15}
